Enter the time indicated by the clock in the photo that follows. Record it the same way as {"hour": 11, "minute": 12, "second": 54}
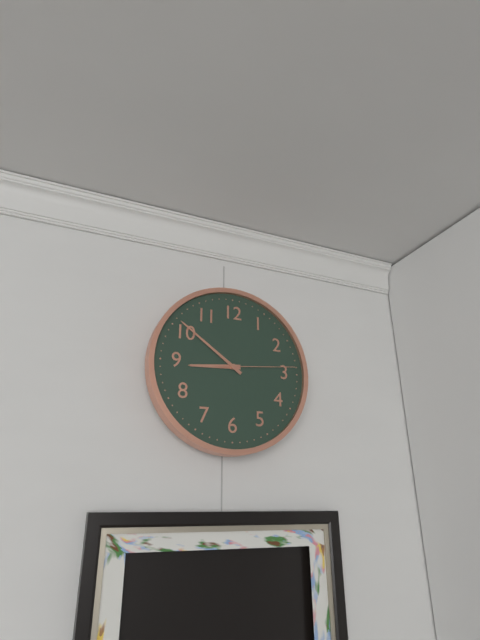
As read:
{"hour": 8, "minute": 51, "second": 14}
